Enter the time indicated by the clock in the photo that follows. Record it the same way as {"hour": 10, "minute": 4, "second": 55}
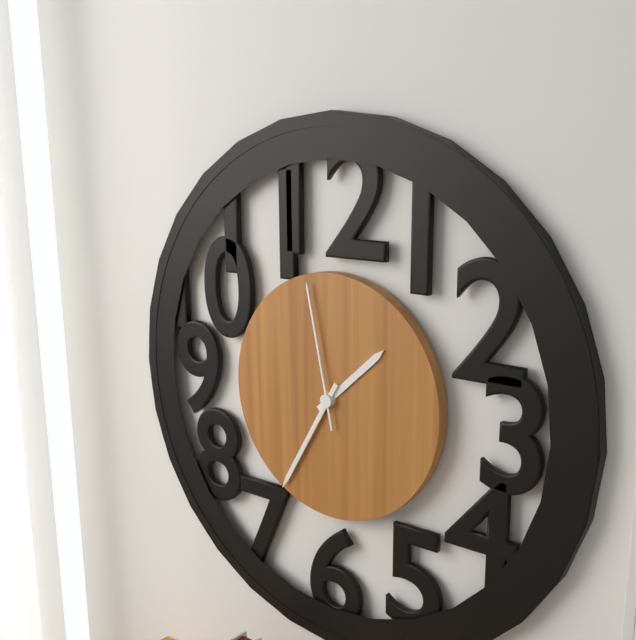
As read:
{"hour": 1, "minute": 35, "second": 58}
